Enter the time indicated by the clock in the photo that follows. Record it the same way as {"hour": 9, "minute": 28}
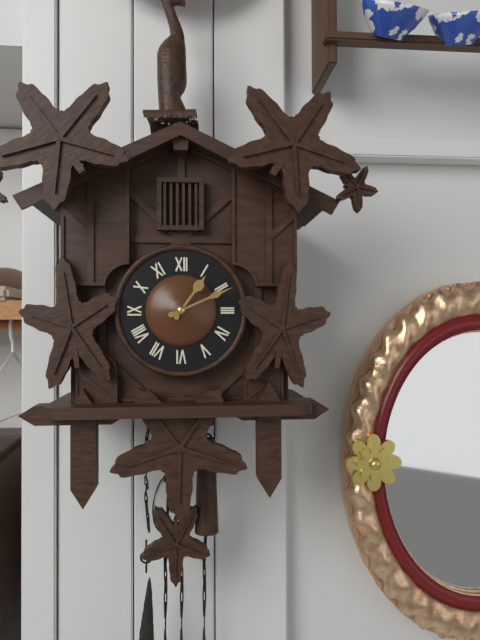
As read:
{"hour": 1, "minute": 11}
